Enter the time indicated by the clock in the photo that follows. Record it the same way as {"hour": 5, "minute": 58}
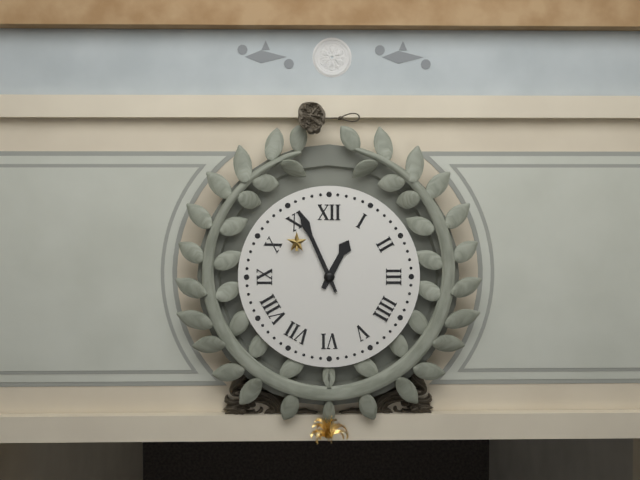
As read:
{"hour": 12, "minute": 56}
